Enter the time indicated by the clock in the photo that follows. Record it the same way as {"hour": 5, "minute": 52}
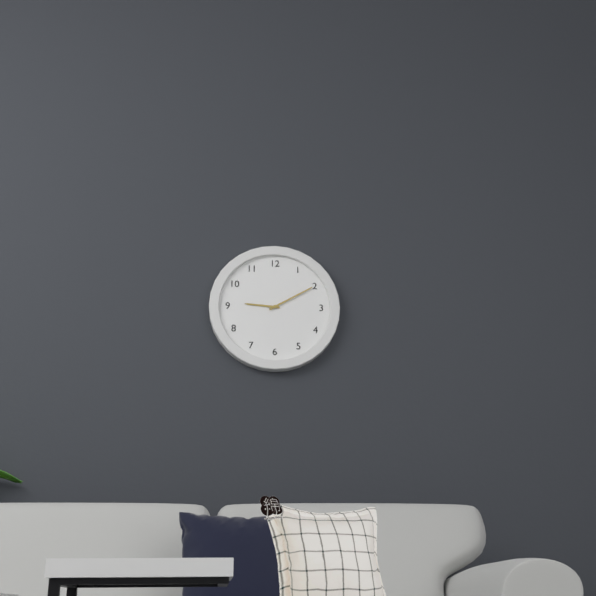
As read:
{"hour": 9, "minute": 10}
